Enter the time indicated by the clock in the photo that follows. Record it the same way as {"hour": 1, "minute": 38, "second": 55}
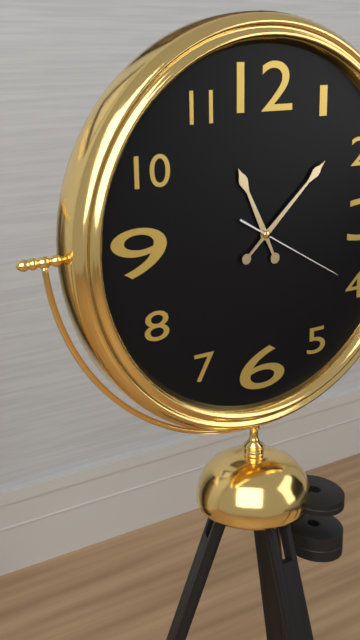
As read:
{"hour": 11, "minute": 8, "second": 20}
